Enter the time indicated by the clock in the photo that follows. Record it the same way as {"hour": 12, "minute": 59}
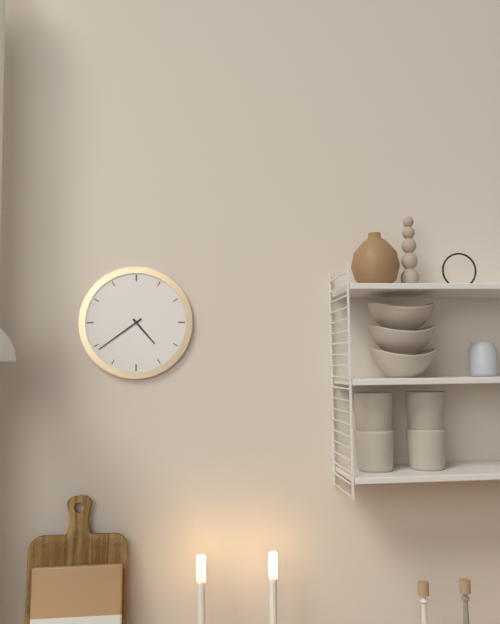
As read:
{"hour": 4, "minute": 39}
